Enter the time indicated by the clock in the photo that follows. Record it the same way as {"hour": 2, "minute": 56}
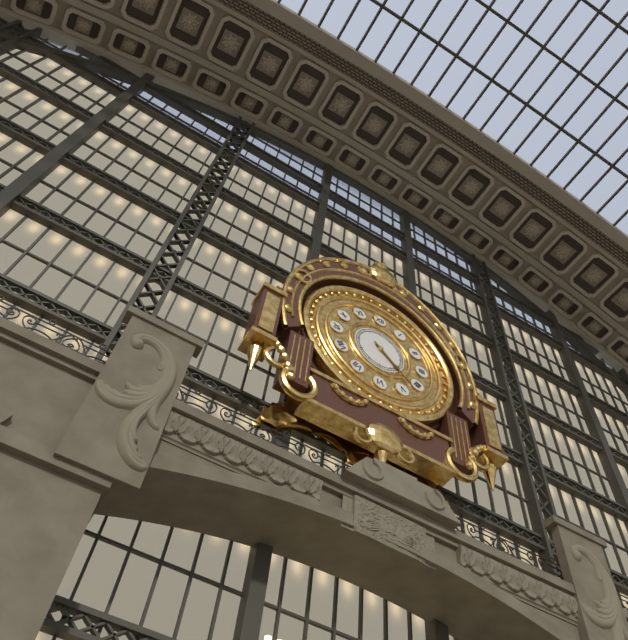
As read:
{"hour": 4, "minute": 22}
